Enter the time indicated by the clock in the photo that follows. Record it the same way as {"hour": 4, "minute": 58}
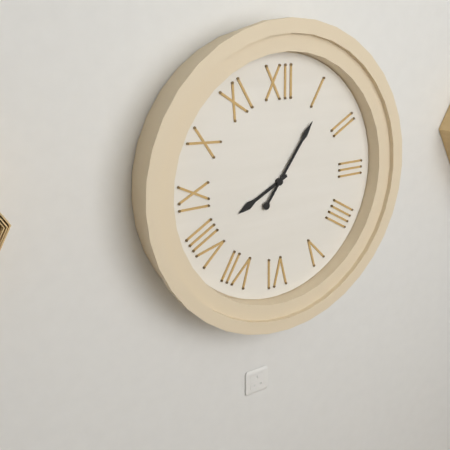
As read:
{"hour": 8, "minute": 6}
